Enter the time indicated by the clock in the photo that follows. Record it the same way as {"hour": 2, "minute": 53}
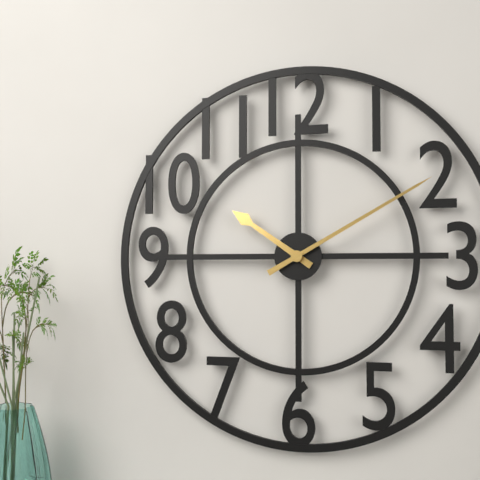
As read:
{"hour": 10, "minute": 10}
